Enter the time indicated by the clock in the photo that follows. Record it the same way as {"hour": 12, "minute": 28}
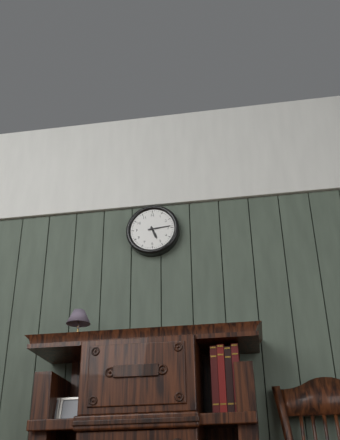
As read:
{"hour": 5, "minute": 14}
